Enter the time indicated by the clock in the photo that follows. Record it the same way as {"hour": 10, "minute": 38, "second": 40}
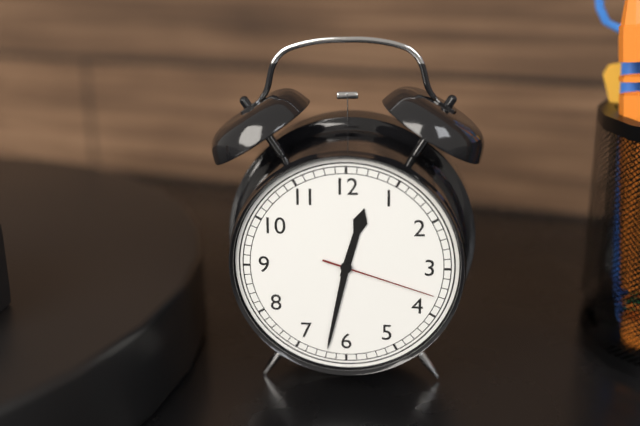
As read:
{"hour": 12, "minute": 32, "second": 18}
